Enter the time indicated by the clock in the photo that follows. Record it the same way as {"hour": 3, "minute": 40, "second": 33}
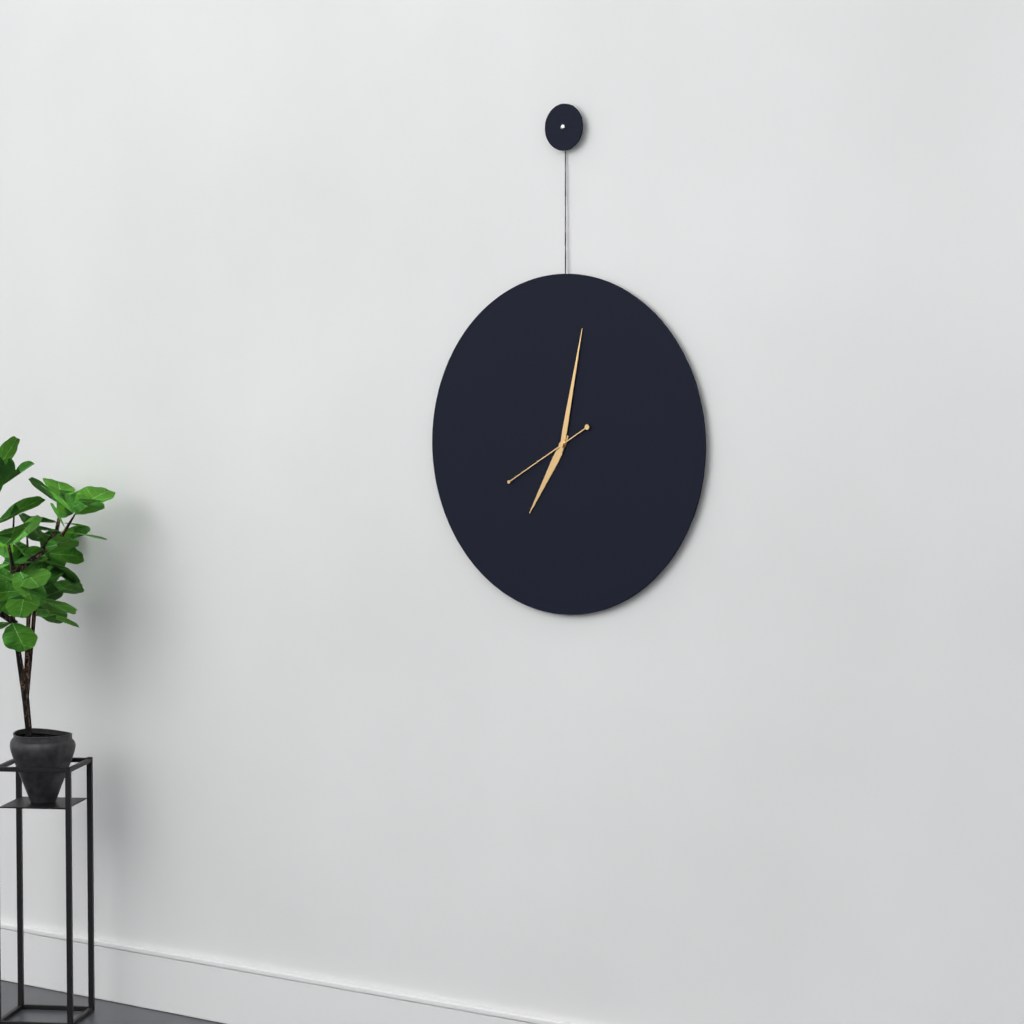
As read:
{"hour": 7, "minute": 2, "second": 40}
